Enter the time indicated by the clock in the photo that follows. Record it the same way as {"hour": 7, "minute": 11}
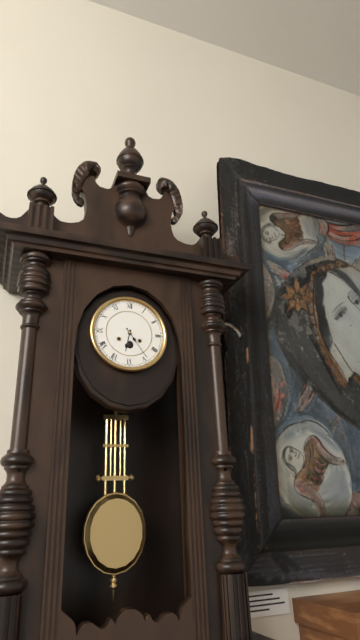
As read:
{"hour": 6, "minute": 24}
